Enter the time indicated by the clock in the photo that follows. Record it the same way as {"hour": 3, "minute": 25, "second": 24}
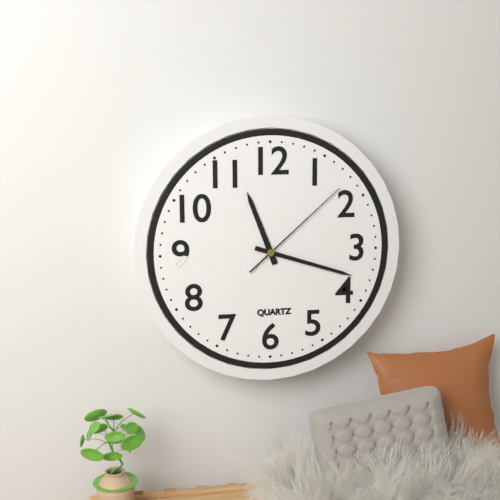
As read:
{"hour": 11, "minute": 18, "second": 8}
